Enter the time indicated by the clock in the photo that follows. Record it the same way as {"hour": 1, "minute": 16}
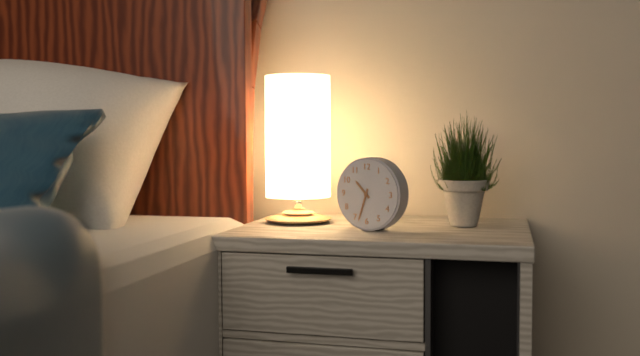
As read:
{"hour": 10, "minute": 33}
